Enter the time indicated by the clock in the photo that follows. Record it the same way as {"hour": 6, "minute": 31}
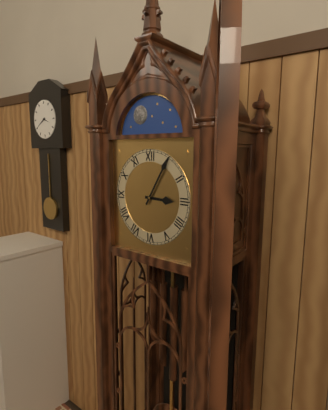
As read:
{"hour": 3, "minute": 5}
